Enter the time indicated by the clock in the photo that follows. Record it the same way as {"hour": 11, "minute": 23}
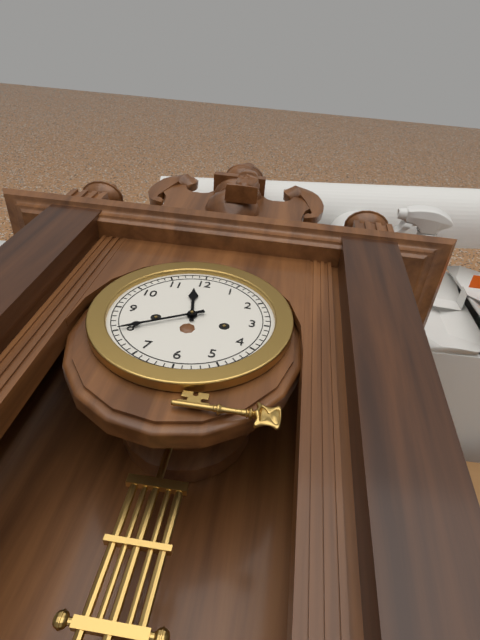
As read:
{"hour": 11, "minute": 40}
